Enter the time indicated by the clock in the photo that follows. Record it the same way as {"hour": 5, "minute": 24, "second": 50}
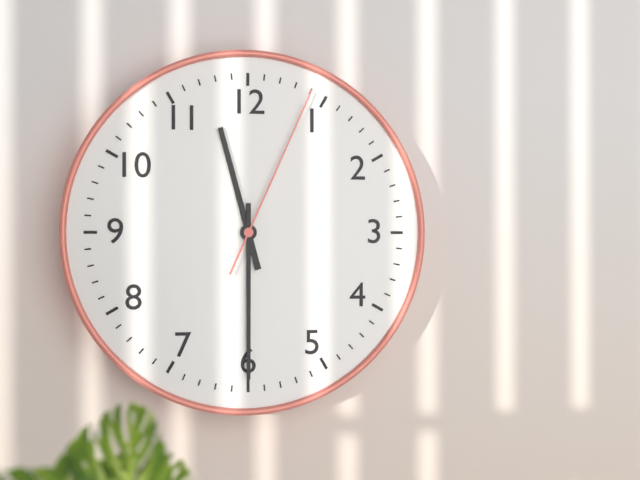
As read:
{"hour": 11, "minute": 30, "second": 4}
